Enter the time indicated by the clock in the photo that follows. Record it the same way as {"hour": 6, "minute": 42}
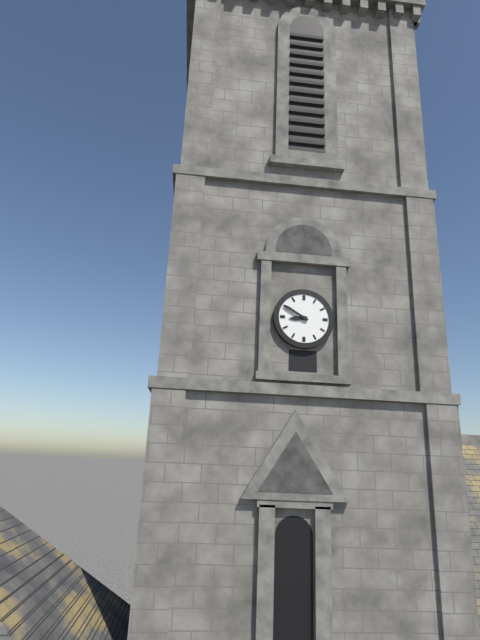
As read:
{"hour": 8, "minute": 50}
